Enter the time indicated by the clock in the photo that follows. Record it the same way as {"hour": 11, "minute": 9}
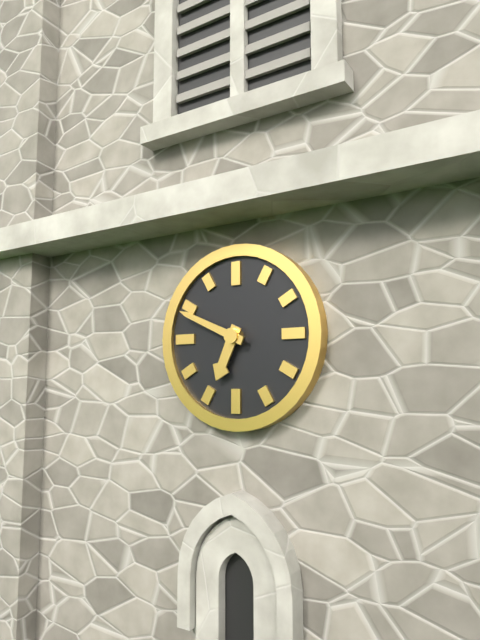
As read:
{"hour": 6, "minute": 49}
